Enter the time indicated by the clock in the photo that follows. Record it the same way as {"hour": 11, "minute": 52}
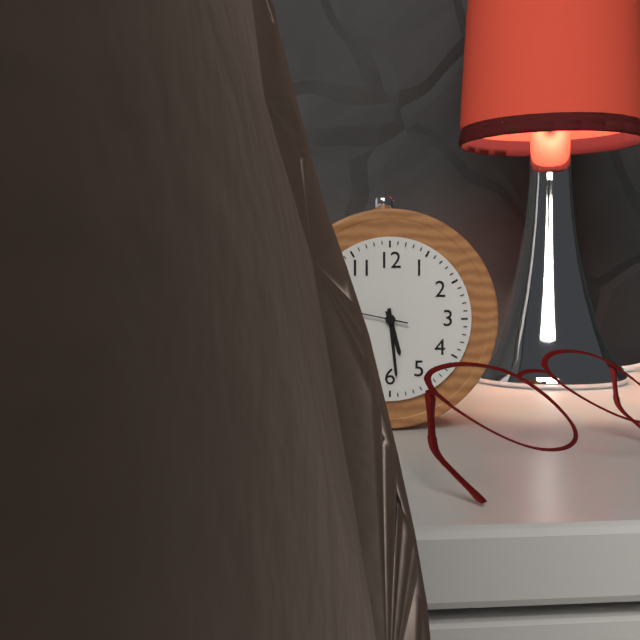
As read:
{"hour": 5, "minute": 29}
